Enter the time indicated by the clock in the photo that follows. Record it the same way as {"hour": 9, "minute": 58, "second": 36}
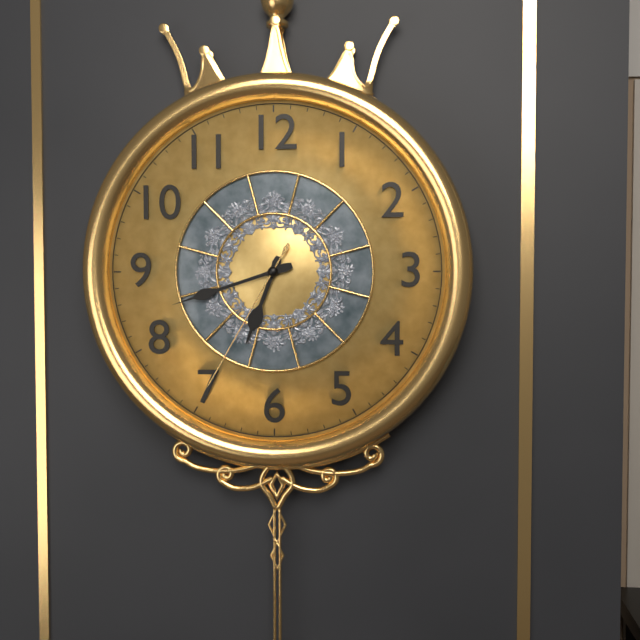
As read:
{"hour": 6, "minute": 42, "second": 35}
